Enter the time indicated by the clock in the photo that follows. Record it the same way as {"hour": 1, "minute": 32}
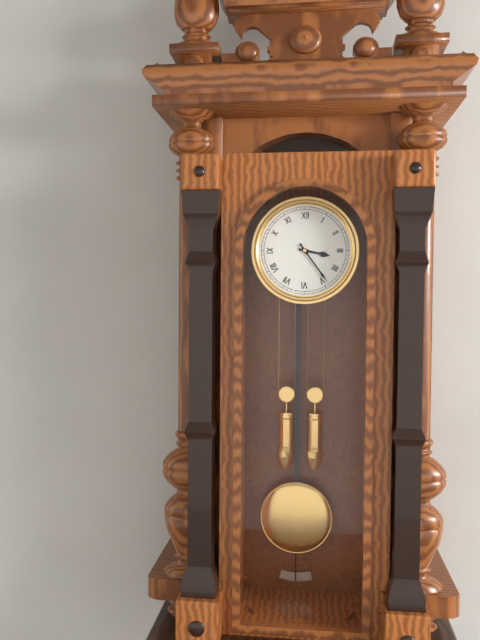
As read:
{"hour": 3, "minute": 24}
